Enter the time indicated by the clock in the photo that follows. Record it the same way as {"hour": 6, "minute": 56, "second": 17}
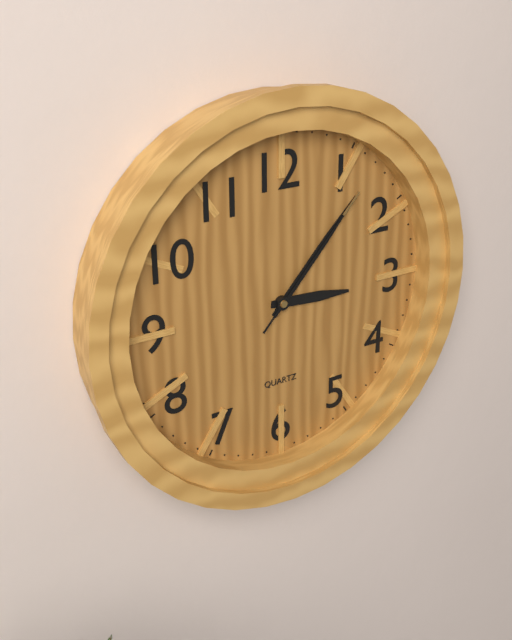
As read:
{"hour": 3, "minute": 7, "second": 7}
